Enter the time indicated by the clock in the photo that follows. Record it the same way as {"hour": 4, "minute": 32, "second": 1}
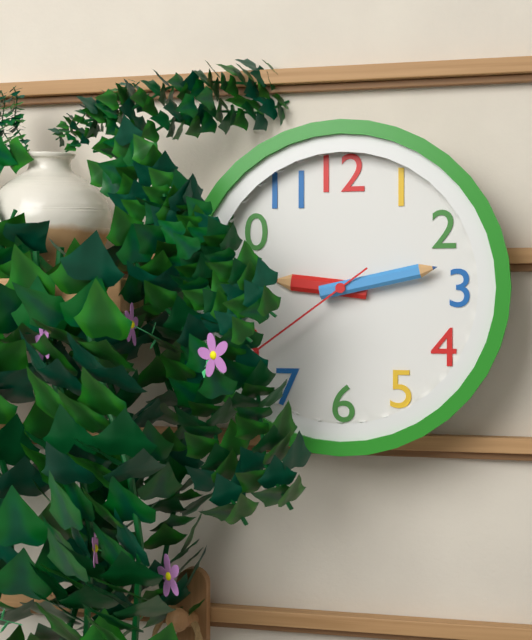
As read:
{"hour": 9, "minute": 13, "second": 39}
